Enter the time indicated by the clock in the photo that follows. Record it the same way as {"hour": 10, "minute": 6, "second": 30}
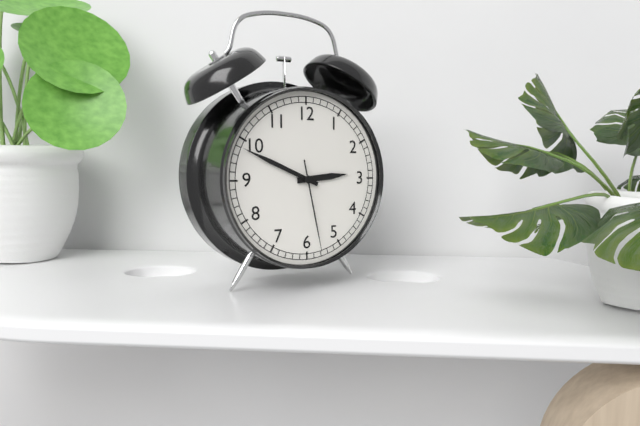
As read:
{"hour": 2, "minute": 49, "second": 28}
